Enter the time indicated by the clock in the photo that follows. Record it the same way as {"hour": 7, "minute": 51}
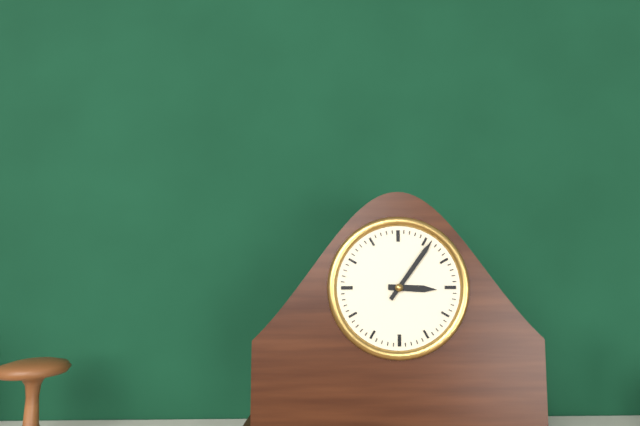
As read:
{"hour": 3, "minute": 6}
